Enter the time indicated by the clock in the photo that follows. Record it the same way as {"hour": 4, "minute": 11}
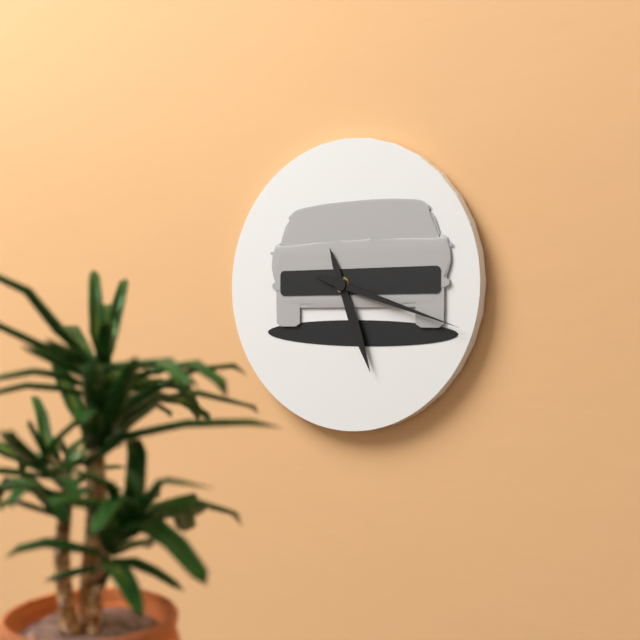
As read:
{"hour": 5, "minute": 18}
